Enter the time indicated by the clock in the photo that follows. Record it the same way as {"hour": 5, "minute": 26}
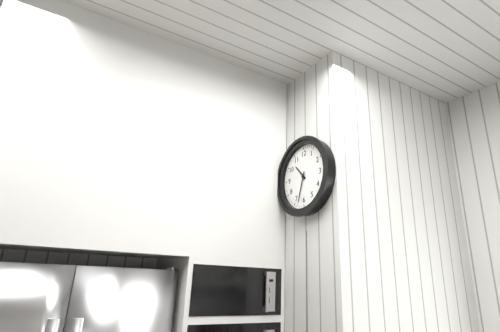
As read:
{"hour": 10, "minute": 33}
